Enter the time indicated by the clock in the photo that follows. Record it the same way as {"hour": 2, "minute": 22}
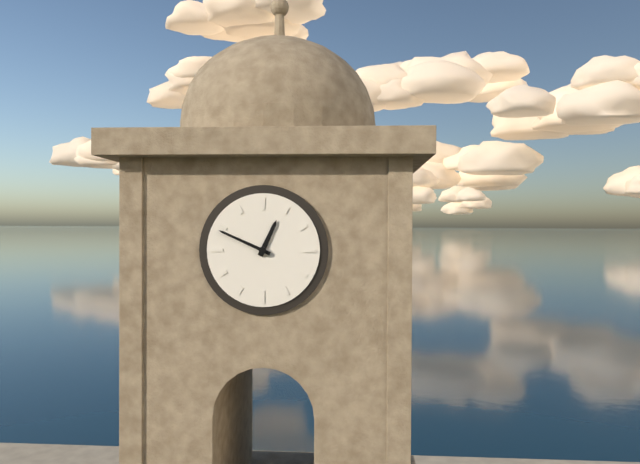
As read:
{"hour": 12, "minute": 49}
